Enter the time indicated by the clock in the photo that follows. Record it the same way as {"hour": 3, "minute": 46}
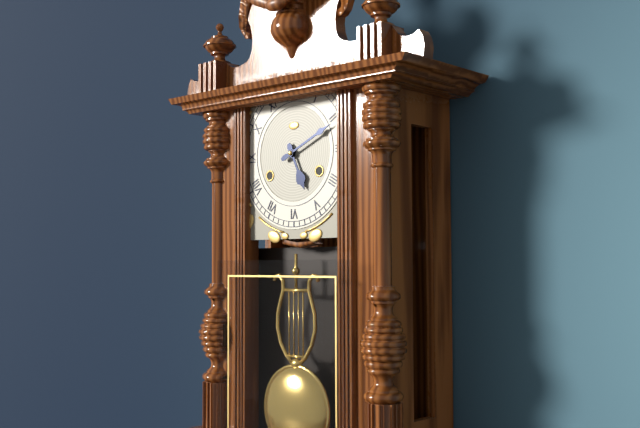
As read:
{"hour": 5, "minute": 11}
